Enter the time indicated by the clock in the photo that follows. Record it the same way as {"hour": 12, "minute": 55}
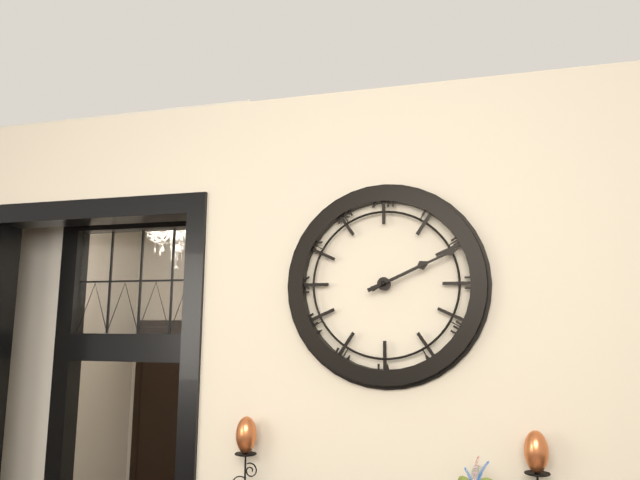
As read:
{"hour": 2, "minute": 11}
